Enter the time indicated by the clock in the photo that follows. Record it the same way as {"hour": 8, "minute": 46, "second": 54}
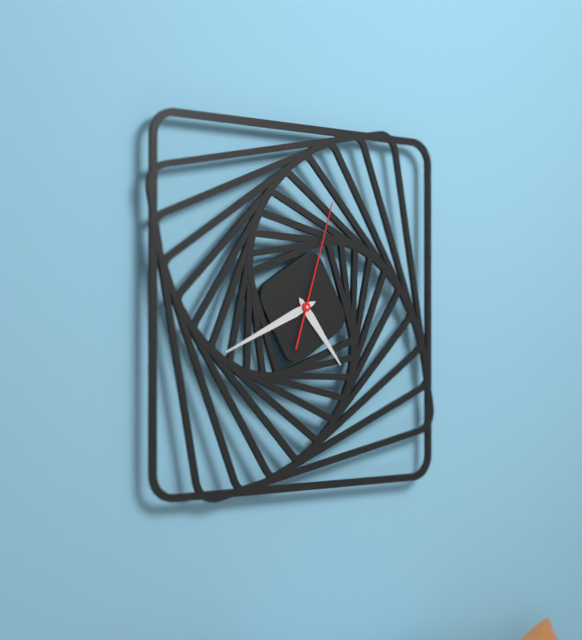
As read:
{"hour": 4, "minute": 41, "second": 3}
